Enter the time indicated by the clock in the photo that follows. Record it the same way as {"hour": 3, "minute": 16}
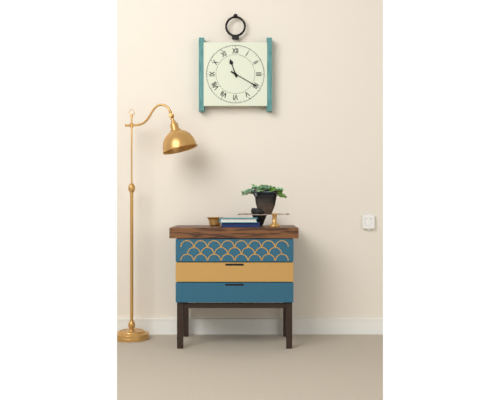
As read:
{"hour": 11, "minute": 20}
